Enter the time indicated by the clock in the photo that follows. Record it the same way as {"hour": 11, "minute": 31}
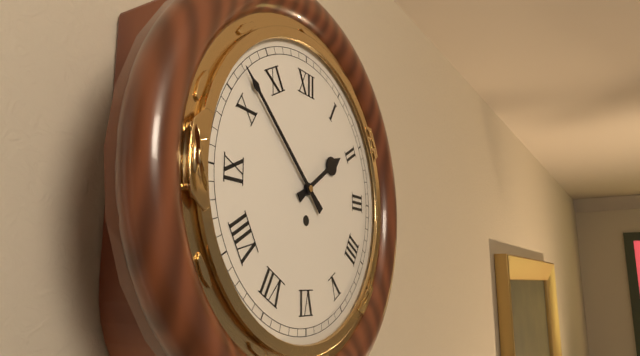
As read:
{"hour": 1, "minute": 52}
